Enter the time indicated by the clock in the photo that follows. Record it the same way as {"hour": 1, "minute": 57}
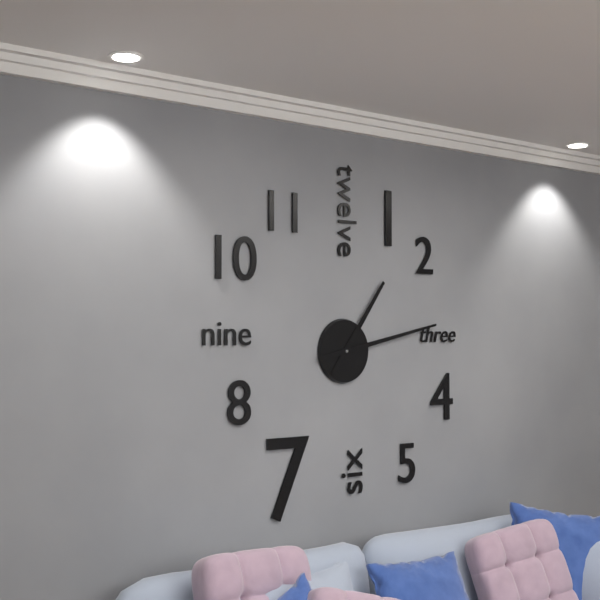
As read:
{"hour": 1, "minute": 13}
